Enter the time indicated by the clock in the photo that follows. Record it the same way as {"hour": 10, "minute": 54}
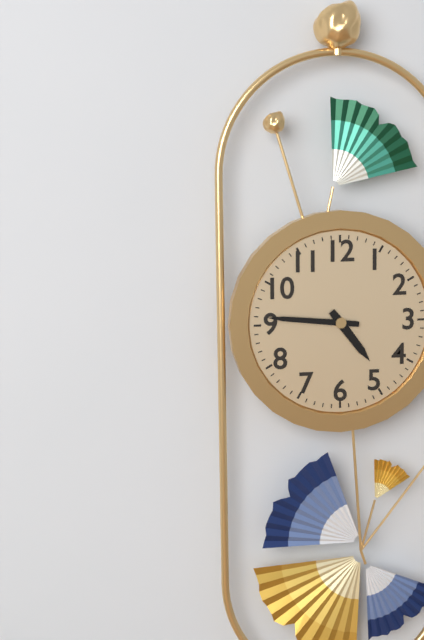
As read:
{"hour": 4, "minute": 46}
